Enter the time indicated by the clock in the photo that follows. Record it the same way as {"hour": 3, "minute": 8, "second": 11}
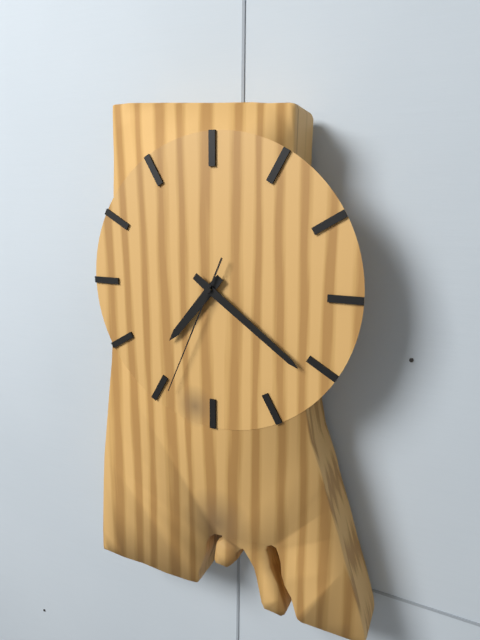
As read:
{"hour": 7, "minute": 21, "second": 34}
